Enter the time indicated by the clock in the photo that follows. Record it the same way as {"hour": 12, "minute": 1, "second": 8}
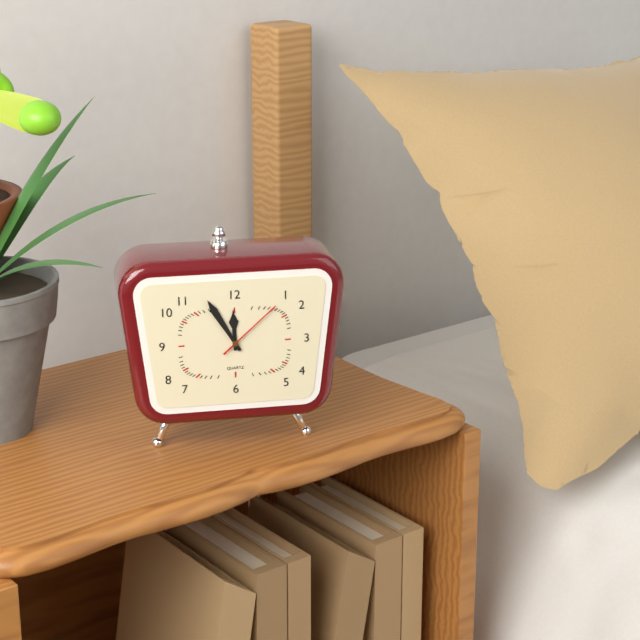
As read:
{"hour": 11, "minute": 55, "second": 8}
